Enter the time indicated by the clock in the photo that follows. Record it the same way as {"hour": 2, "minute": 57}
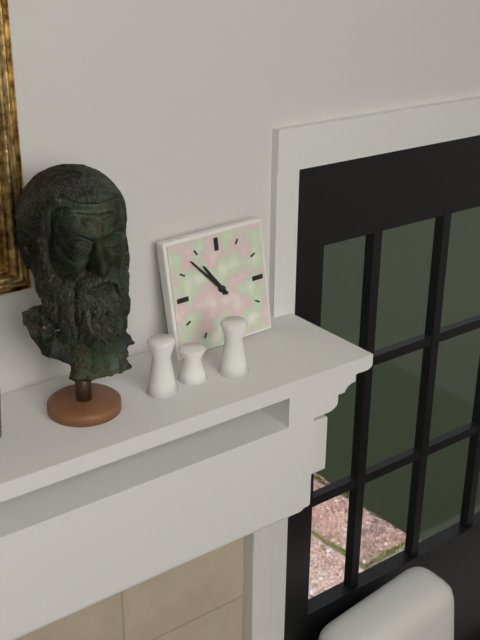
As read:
{"hour": 10, "minute": 53}
